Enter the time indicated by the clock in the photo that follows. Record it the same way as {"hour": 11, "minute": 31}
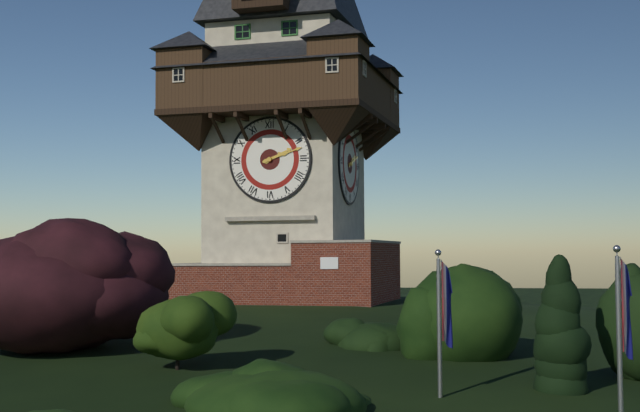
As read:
{"hour": 2, "minute": 12}
